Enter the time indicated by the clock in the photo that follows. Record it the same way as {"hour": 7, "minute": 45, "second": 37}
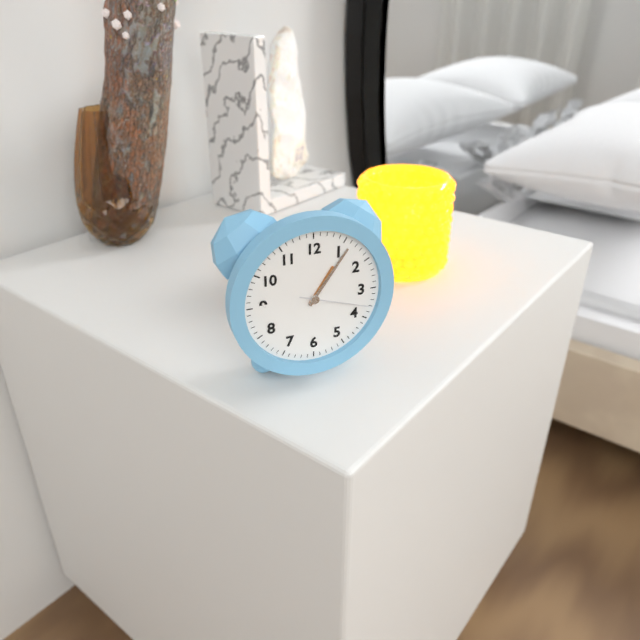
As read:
{"hour": 1, "minute": 6, "second": 18}
